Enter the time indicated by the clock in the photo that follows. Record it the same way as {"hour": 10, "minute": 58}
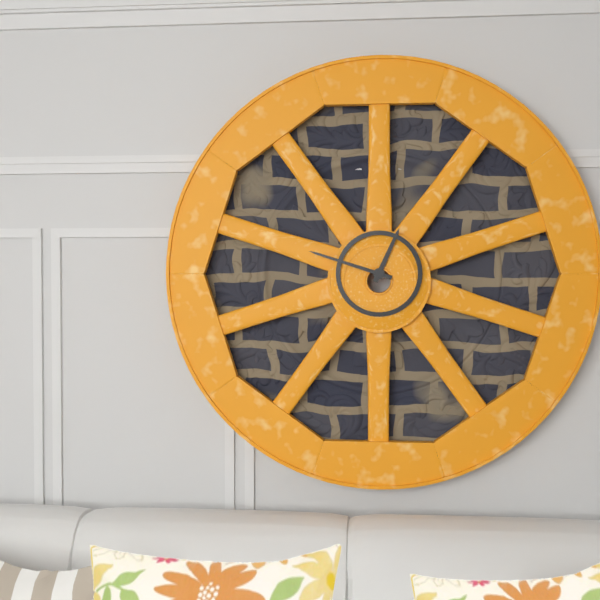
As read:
{"hour": 12, "minute": 48}
